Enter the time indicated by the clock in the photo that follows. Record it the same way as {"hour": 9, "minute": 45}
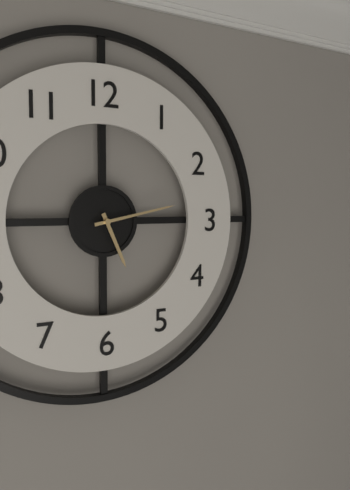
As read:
{"hour": 5, "minute": 13}
